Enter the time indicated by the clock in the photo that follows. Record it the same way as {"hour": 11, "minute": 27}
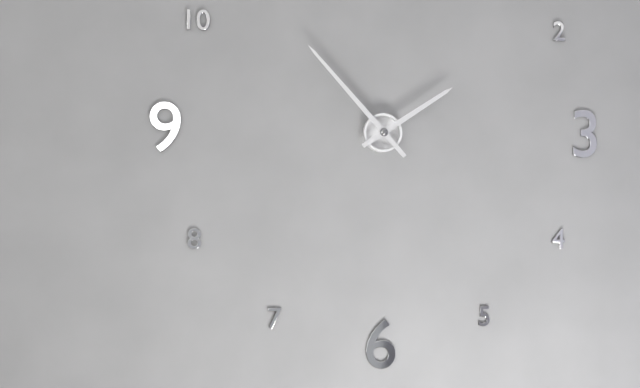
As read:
{"hour": 1, "minute": 53}
